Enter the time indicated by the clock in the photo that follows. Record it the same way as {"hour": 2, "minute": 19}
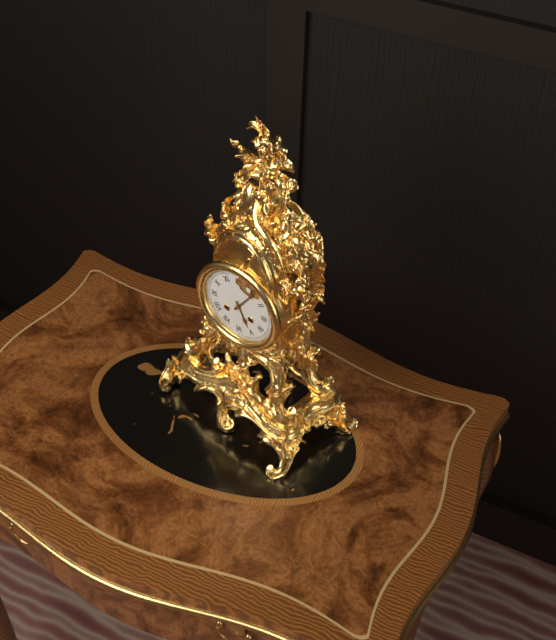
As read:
{"hour": 5, "minute": 6}
